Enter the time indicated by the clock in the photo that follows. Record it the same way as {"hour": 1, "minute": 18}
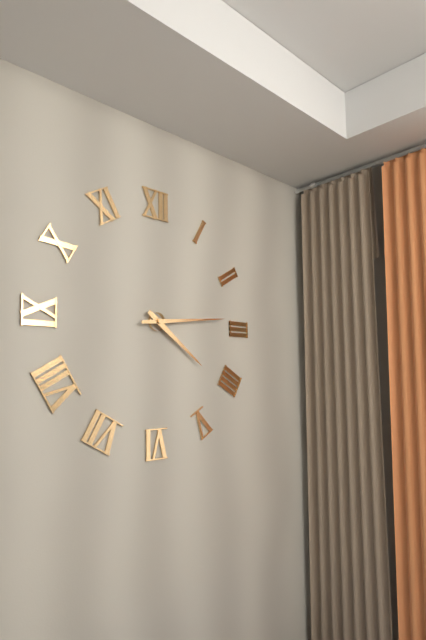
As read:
{"hour": 4, "minute": 14}
